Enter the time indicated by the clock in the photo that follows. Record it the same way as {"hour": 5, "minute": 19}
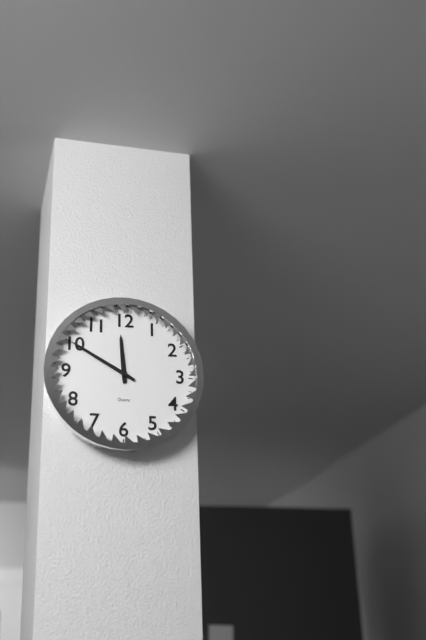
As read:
{"hour": 11, "minute": 50}
